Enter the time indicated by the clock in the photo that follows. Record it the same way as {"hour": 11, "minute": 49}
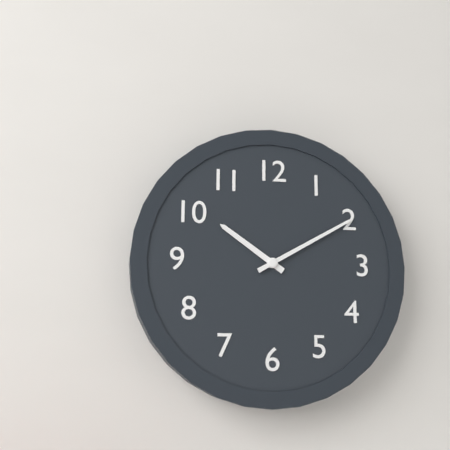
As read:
{"hour": 10, "minute": 10}
